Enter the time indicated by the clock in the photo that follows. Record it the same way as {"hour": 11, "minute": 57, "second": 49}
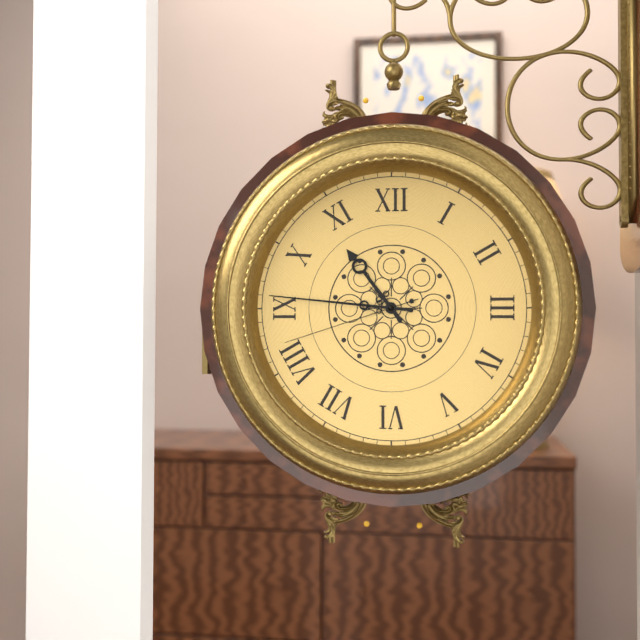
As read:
{"hour": 10, "minute": 46, "second": 42}
